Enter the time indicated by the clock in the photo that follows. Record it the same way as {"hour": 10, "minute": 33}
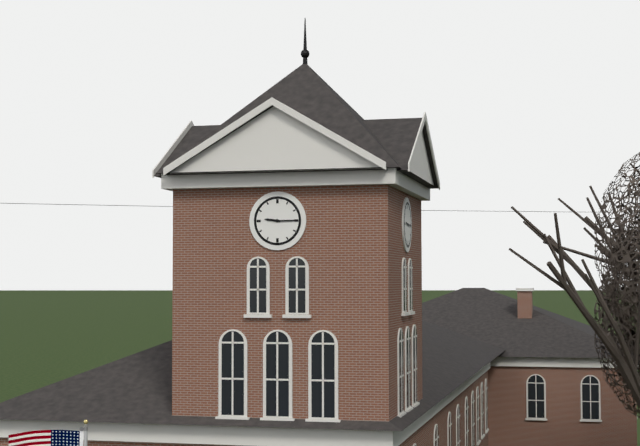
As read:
{"hour": 9, "minute": 15}
